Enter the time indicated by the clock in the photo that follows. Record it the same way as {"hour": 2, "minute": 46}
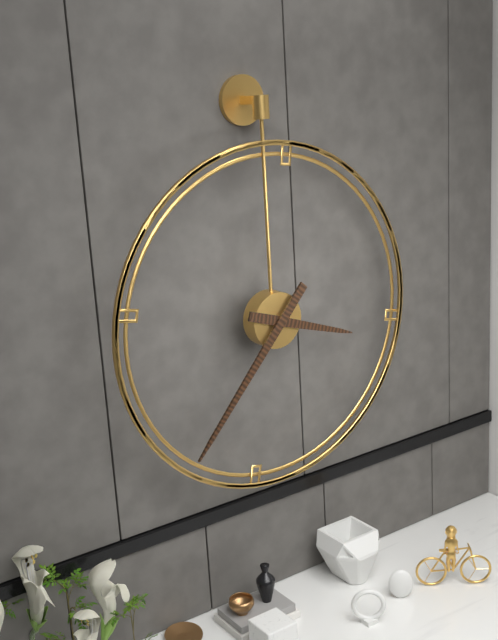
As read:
{"hour": 3, "minute": 37}
